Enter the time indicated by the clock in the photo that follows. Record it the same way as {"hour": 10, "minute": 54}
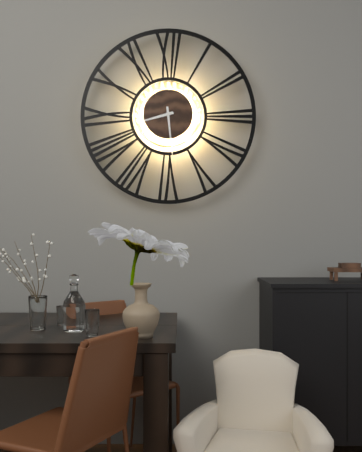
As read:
{"hour": 8, "minute": 29}
